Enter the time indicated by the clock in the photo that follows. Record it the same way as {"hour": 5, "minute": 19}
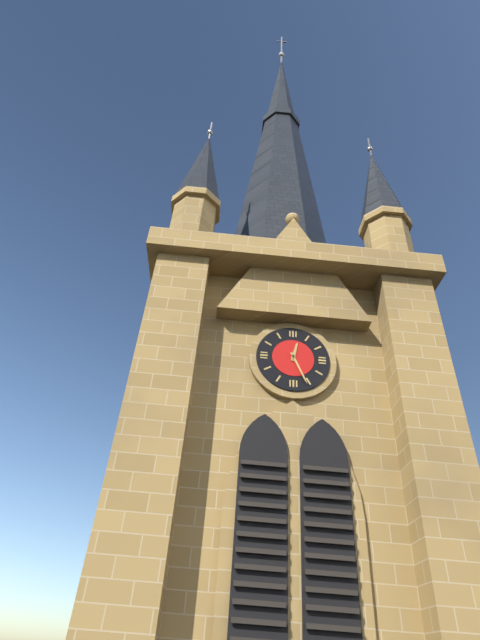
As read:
{"hour": 12, "minute": 26}
